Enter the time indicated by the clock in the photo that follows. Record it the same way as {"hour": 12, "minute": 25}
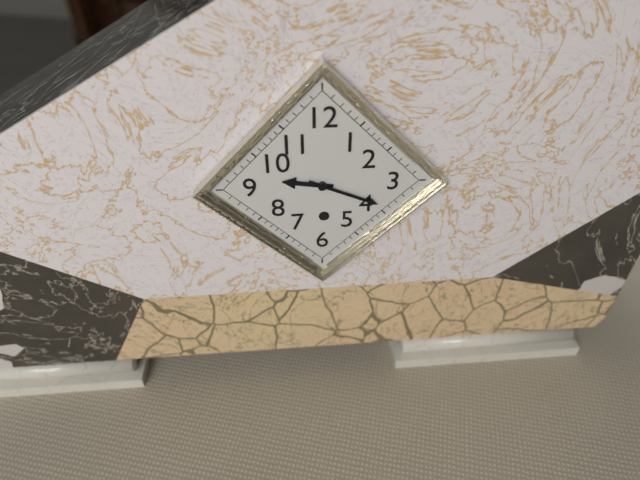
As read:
{"hour": 9, "minute": 19}
